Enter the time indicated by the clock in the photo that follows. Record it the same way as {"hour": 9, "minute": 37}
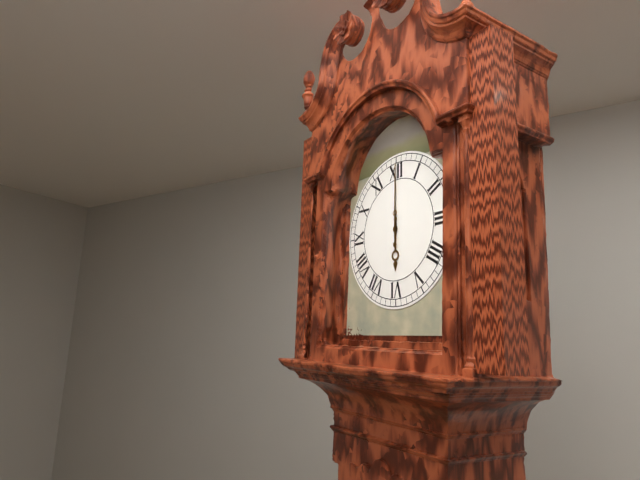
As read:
{"hour": 6, "minute": 0}
